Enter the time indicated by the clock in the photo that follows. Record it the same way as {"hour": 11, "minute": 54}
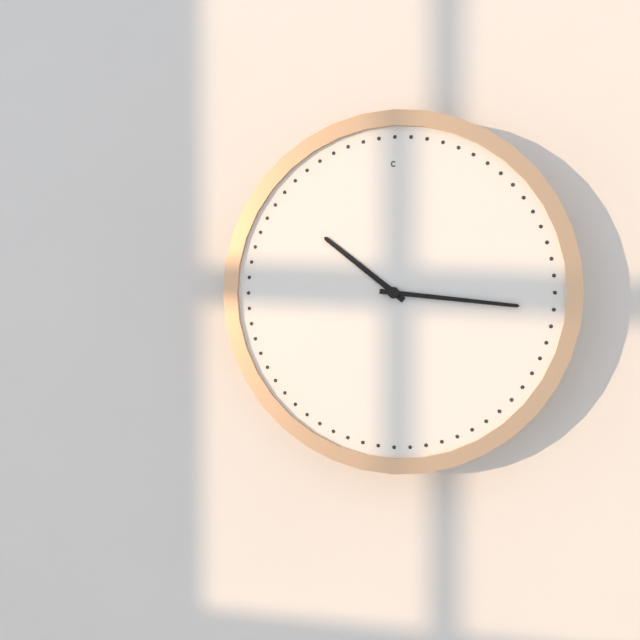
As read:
{"hour": 10, "minute": 16}
